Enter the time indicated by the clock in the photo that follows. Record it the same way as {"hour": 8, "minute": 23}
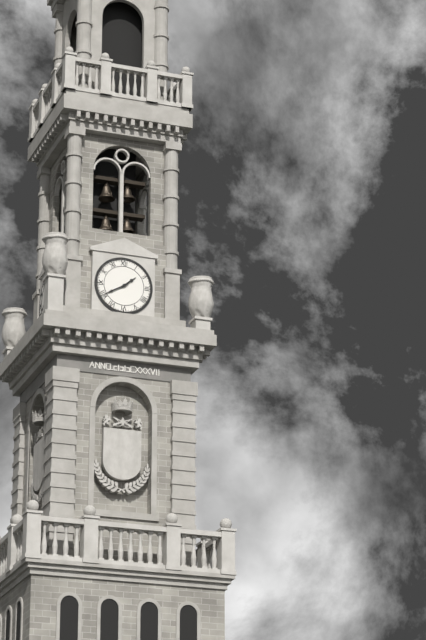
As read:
{"hour": 1, "minute": 40}
